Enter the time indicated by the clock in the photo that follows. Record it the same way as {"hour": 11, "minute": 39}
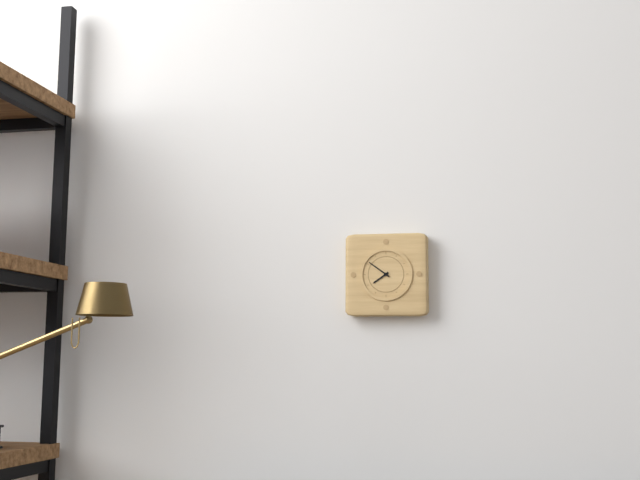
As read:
{"hour": 7, "minute": 51}
